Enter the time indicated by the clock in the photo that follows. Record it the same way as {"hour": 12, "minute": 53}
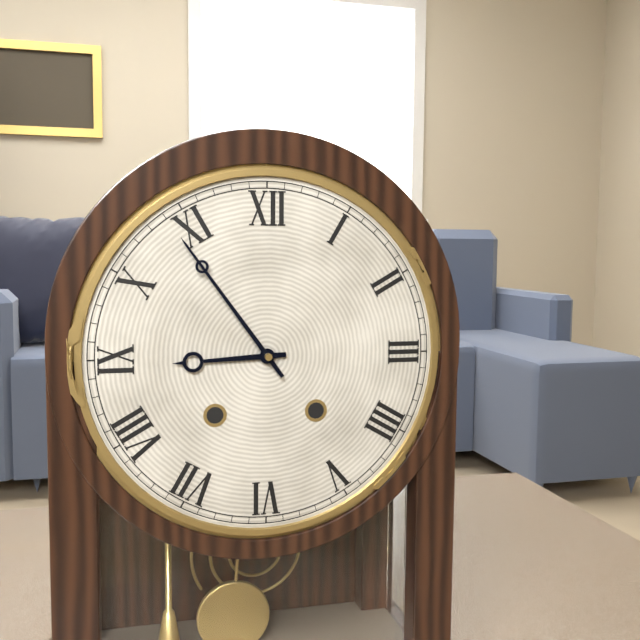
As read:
{"hour": 8, "minute": 54}
